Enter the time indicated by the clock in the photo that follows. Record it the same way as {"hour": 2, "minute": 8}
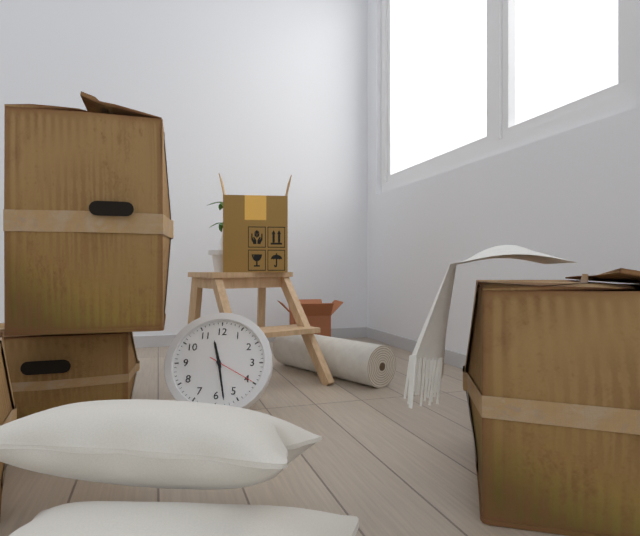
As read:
{"hour": 11, "minute": 28}
